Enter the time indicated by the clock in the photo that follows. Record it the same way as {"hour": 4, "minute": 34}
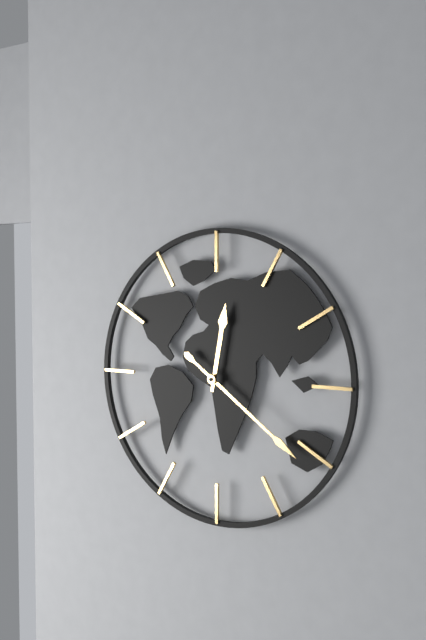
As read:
{"hour": 12, "minute": 21}
